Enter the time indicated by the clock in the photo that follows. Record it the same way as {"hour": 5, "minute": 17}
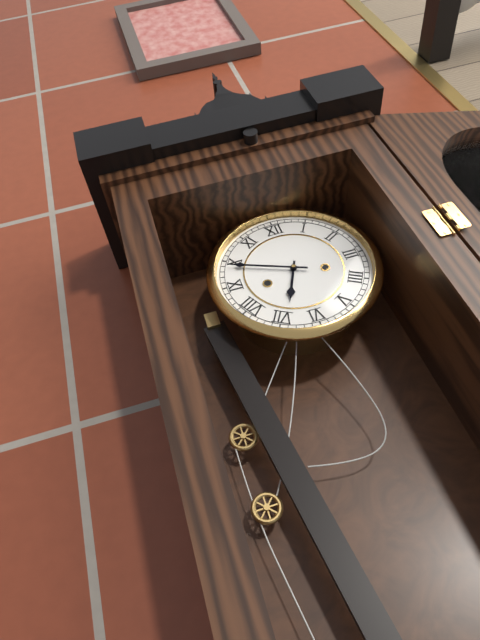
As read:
{"hour": 6, "minute": 49}
